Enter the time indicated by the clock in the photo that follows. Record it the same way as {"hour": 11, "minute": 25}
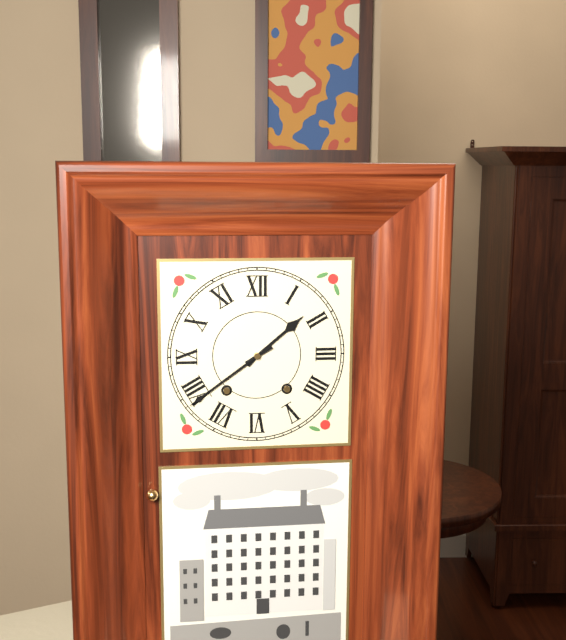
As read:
{"hour": 1, "minute": 39}
